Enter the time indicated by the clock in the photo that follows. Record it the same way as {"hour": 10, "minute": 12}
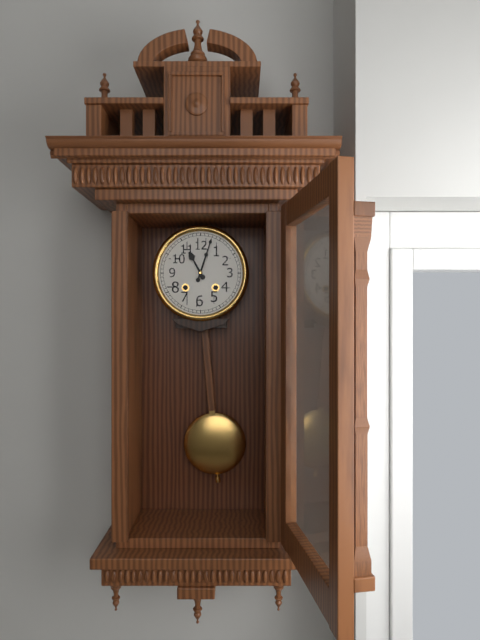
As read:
{"hour": 11, "minute": 3}
